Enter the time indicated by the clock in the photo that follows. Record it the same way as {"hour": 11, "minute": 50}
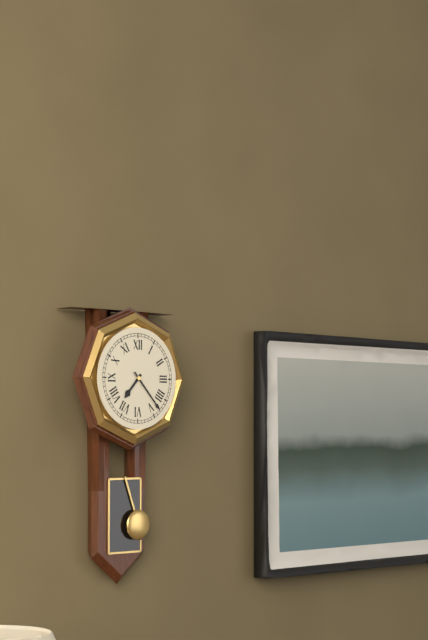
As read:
{"hour": 7, "minute": 23}
